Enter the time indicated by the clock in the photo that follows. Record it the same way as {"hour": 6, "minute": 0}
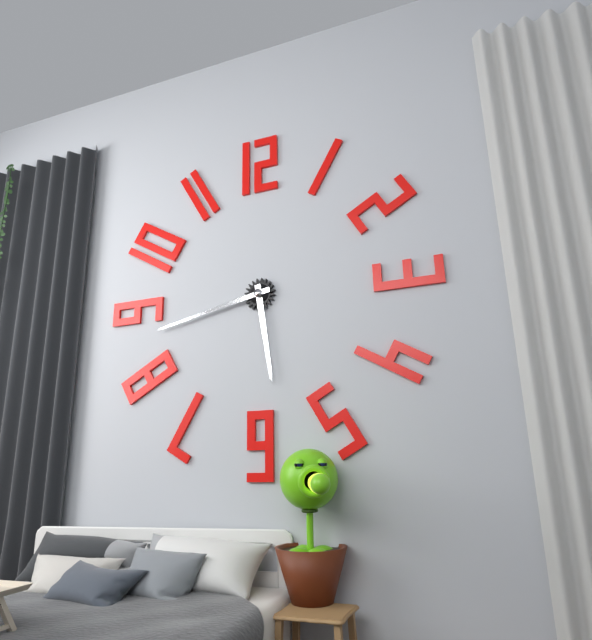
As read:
{"hour": 5, "minute": 43}
